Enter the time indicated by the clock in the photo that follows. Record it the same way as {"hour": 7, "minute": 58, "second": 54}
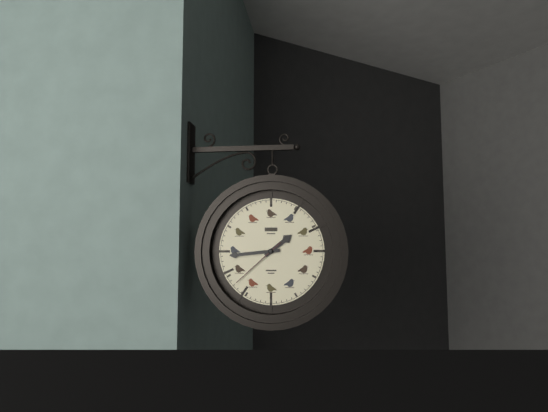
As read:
{"hour": 1, "minute": 44, "second": 38}
